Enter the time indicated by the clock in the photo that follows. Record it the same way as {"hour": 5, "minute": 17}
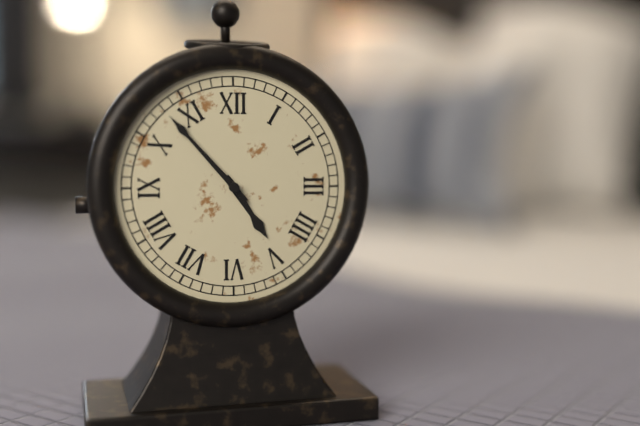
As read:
{"hour": 4, "minute": 53}
